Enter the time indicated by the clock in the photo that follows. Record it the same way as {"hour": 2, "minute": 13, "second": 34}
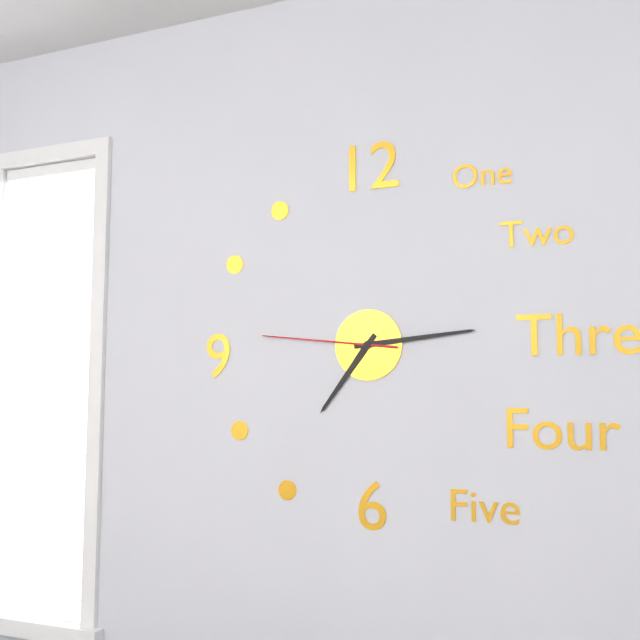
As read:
{"hour": 7, "minute": 14, "second": 46}
